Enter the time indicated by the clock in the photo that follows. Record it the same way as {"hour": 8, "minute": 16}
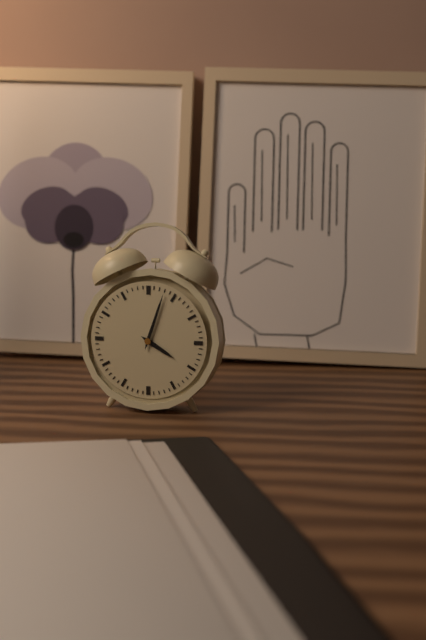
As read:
{"hour": 4, "minute": 3}
